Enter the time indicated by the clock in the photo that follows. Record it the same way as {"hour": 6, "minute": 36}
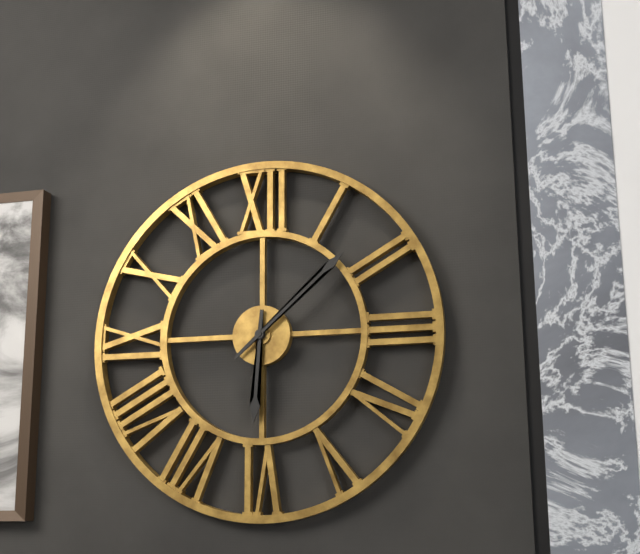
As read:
{"hour": 6, "minute": 8}
